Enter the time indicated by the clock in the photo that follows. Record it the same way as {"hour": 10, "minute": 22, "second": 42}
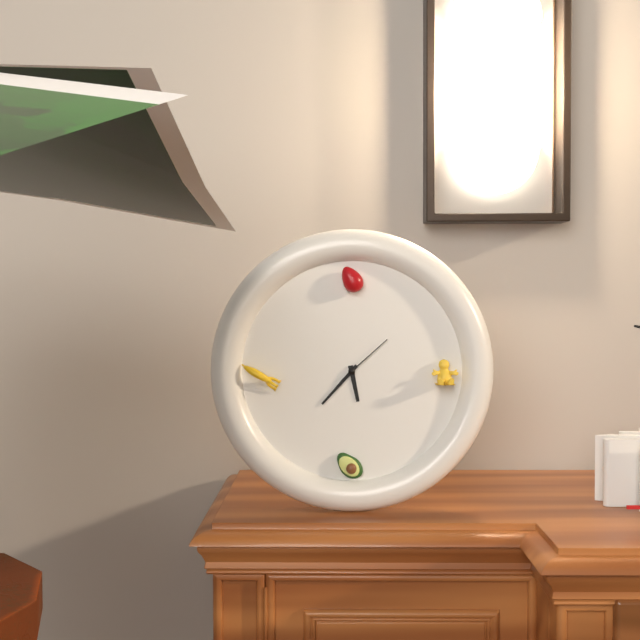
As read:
{"hour": 5, "minute": 37, "second": 8}
